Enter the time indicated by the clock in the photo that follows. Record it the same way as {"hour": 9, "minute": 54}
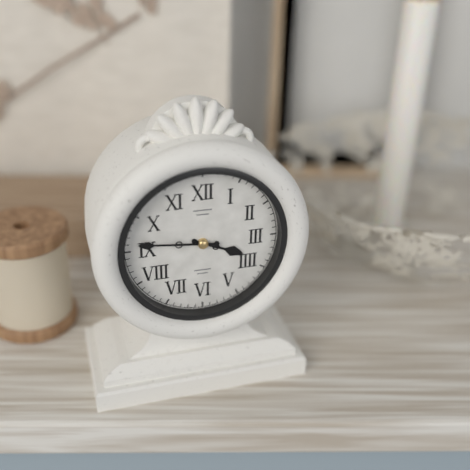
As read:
{"hour": 3, "minute": 46}
